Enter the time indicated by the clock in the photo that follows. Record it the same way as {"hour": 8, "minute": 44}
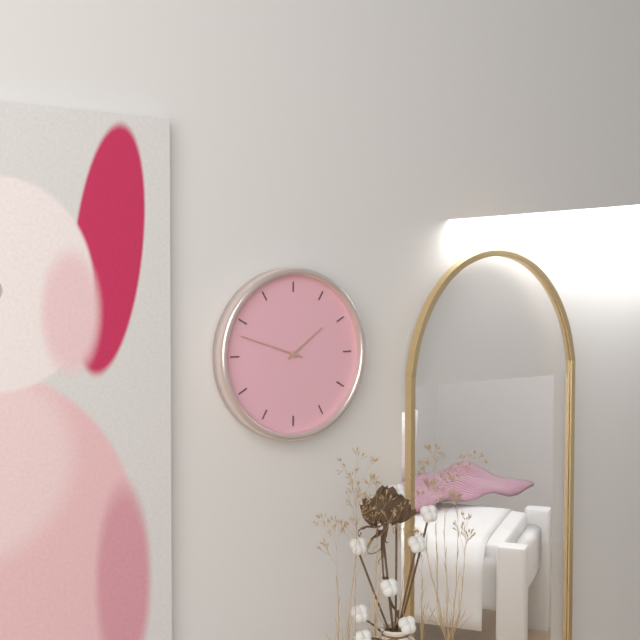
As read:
{"hour": 1, "minute": 48}
